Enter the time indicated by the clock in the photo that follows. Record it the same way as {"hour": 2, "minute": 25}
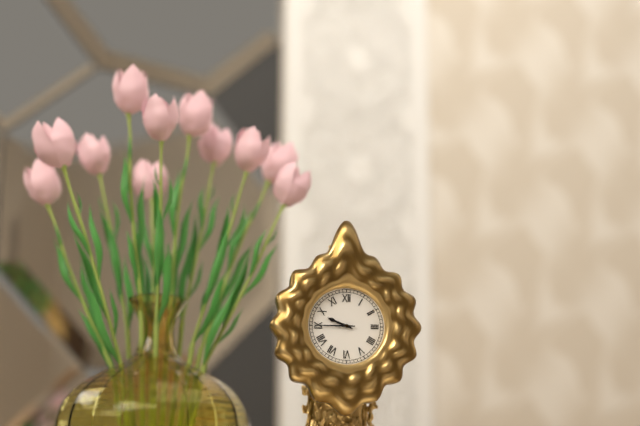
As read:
{"hour": 9, "minute": 45}
